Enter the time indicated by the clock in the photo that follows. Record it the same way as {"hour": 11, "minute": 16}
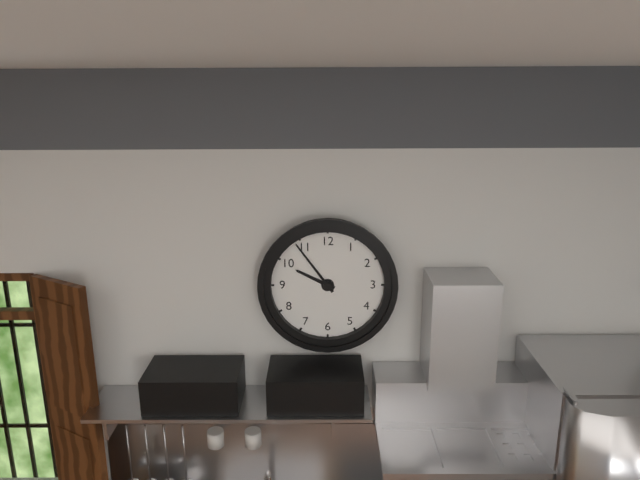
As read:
{"hour": 9, "minute": 54}
